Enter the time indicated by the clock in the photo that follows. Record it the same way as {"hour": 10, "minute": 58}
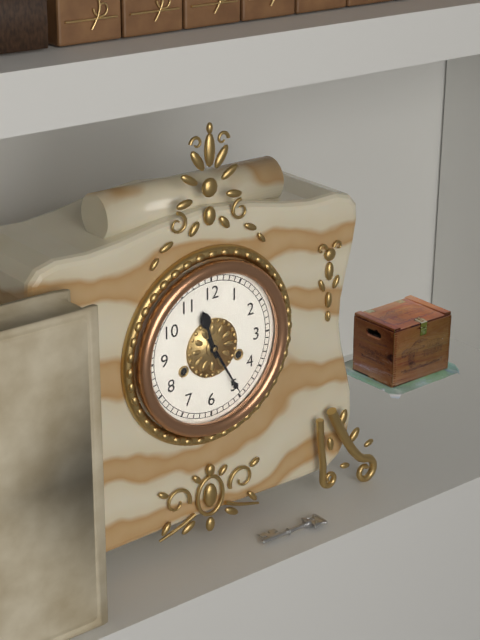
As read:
{"hour": 11, "minute": 25}
